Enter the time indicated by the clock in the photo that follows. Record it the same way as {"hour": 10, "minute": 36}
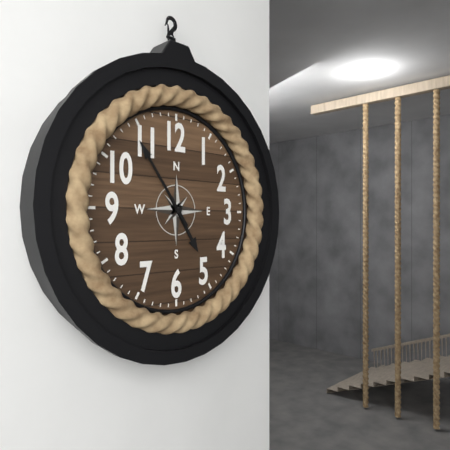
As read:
{"hour": 4, "minute": 54}
